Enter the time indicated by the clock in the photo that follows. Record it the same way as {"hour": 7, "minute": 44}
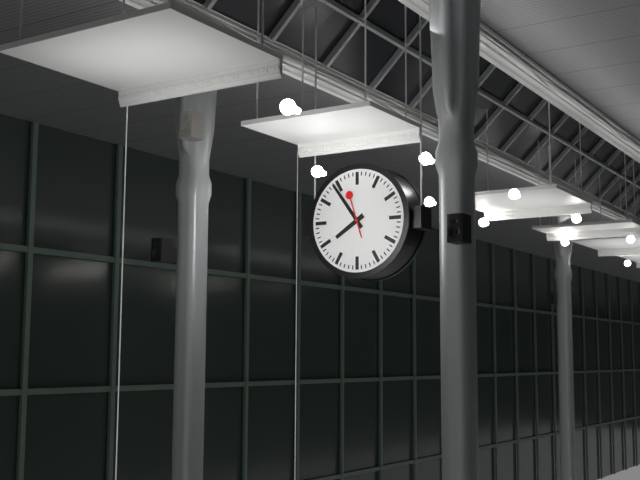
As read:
{"hour": 7, "minute": 54}
